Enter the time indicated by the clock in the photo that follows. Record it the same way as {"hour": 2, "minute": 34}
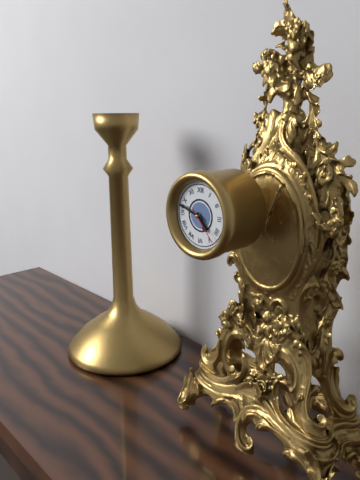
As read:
{"hour": 4, "minute": 48}
